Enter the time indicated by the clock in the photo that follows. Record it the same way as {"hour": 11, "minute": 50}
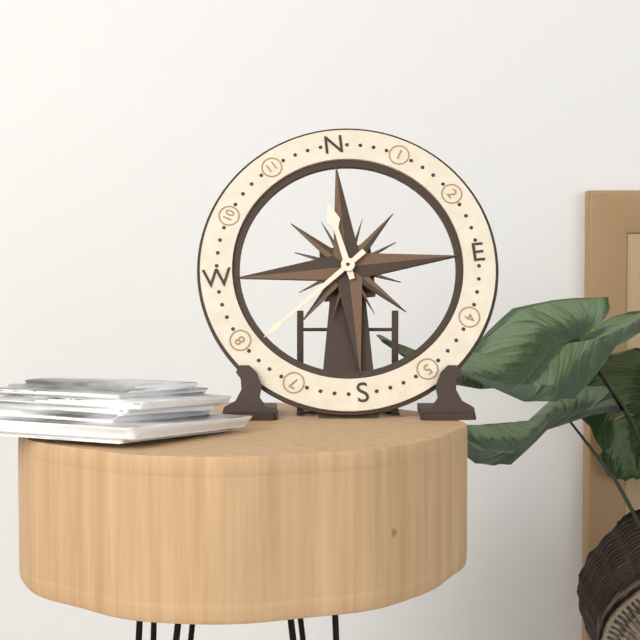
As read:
{"hour": 11, "minute": 39}
